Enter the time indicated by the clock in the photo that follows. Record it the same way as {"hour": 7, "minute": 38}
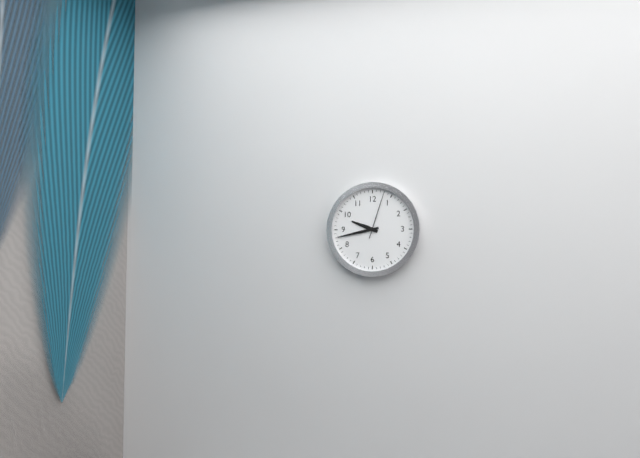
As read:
{"hour": 9, "minute": 43}
